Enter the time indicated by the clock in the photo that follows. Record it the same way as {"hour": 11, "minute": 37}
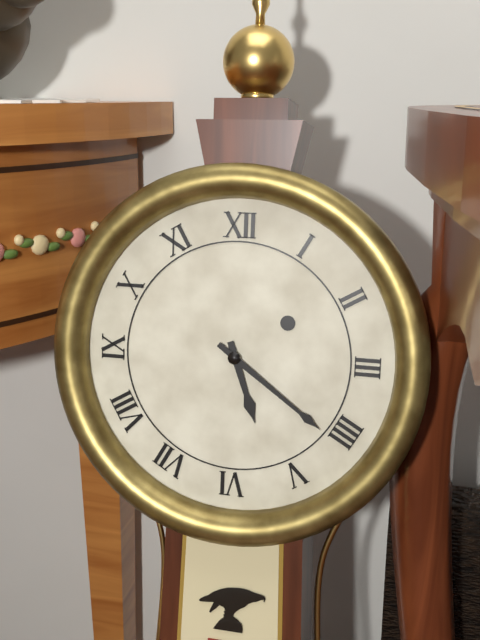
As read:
{"hour": 5, "minute": 21}
